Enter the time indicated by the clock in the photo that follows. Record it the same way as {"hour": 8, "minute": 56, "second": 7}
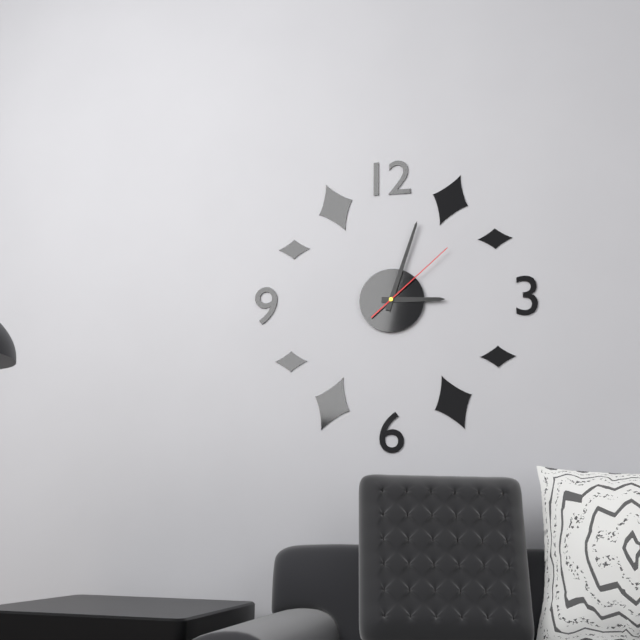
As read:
{"hour": 3, "minute": 3, "second": 8}
